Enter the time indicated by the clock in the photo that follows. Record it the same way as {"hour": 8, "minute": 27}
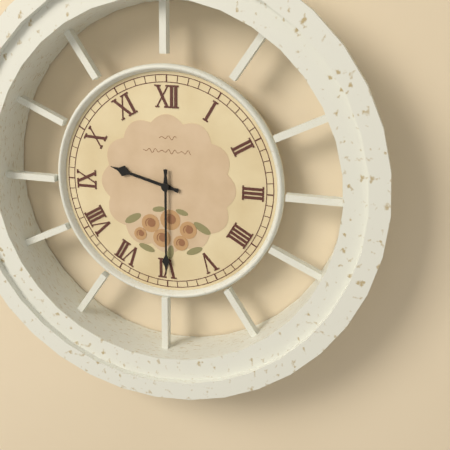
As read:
{"hour": 9, "minute": 30}
